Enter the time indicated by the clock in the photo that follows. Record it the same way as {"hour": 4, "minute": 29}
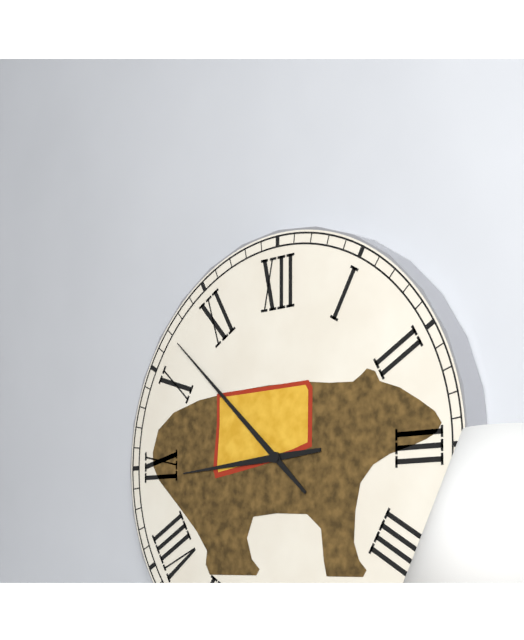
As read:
{"hour": 8, "minute": 52}
